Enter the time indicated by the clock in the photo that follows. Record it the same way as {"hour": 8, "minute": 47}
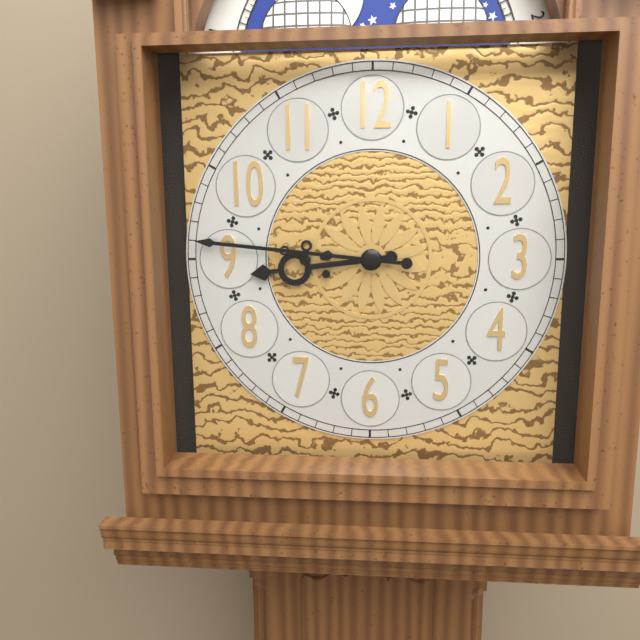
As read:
{"hour": 8, "minute": 46}
